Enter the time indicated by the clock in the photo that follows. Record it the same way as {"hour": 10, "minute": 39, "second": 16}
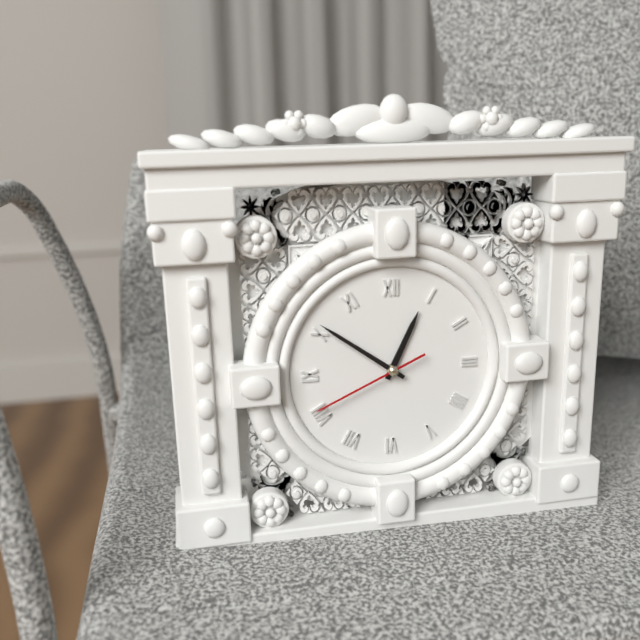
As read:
{"hour": 12, "minute": 51, "second": 41}
